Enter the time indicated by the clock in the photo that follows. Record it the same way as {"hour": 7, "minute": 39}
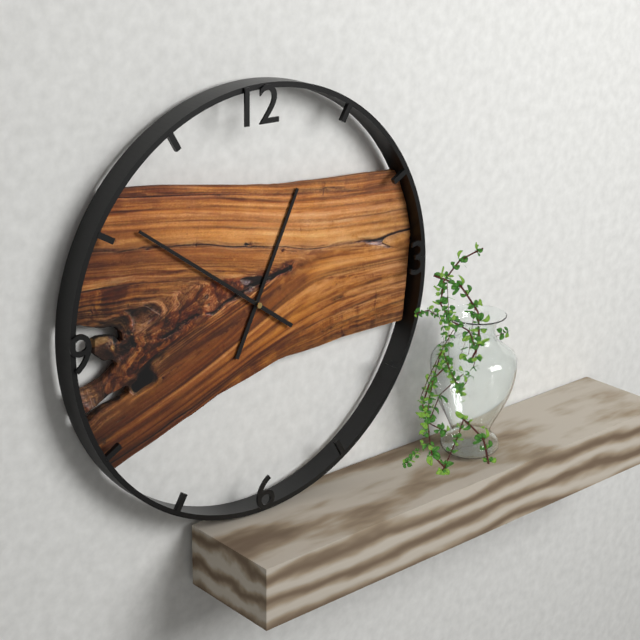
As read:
{"hour": 12, "minute": 51}
